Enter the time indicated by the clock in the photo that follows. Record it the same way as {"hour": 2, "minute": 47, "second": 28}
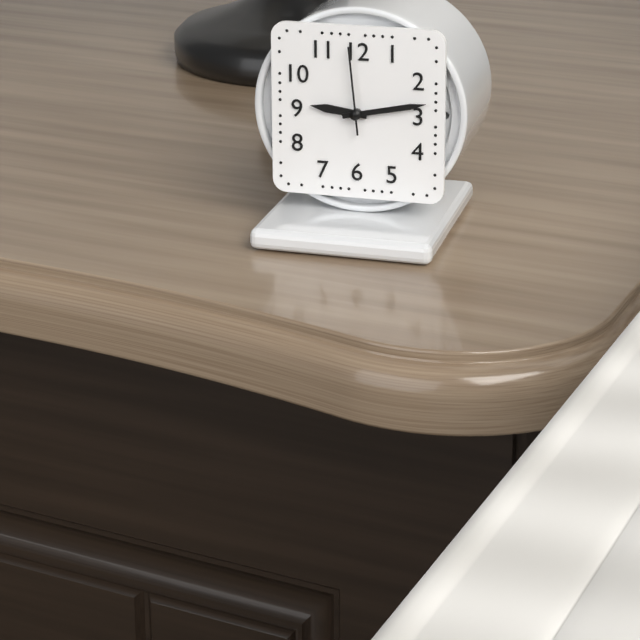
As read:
{"hour": 9, "minute": 13, "second": 59}
